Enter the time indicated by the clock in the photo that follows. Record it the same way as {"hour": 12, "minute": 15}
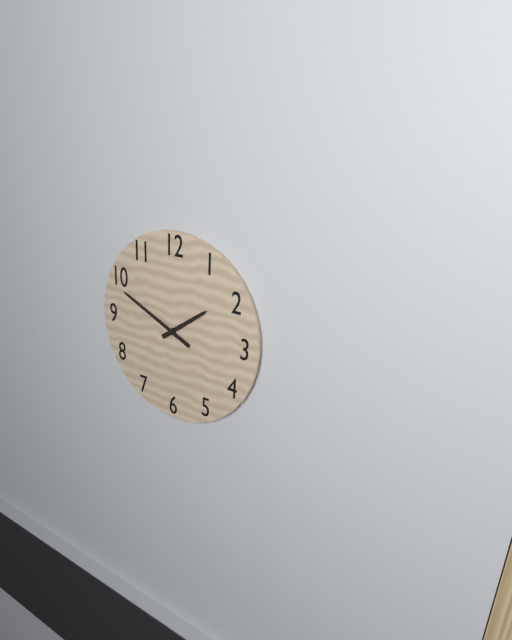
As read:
{"hour": 1, "minute": 49}
